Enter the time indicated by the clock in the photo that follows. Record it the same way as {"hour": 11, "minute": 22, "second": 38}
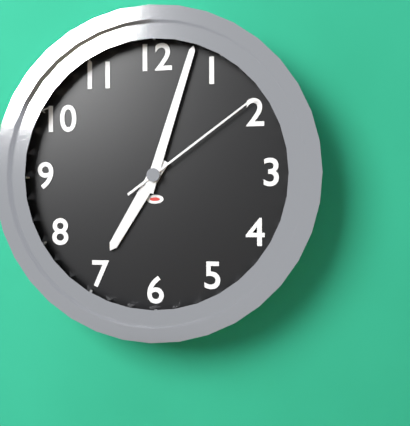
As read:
{"hour": 7, "minute": 3, "second": 9}
